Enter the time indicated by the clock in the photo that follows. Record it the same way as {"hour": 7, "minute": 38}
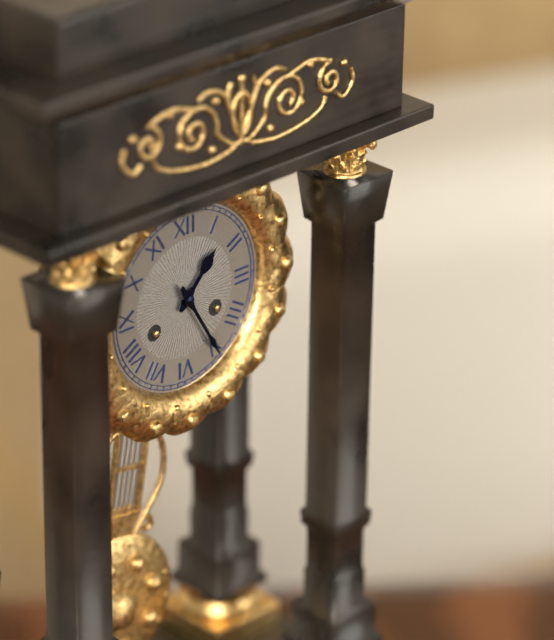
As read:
{"hour": 1, "minute": 25}
